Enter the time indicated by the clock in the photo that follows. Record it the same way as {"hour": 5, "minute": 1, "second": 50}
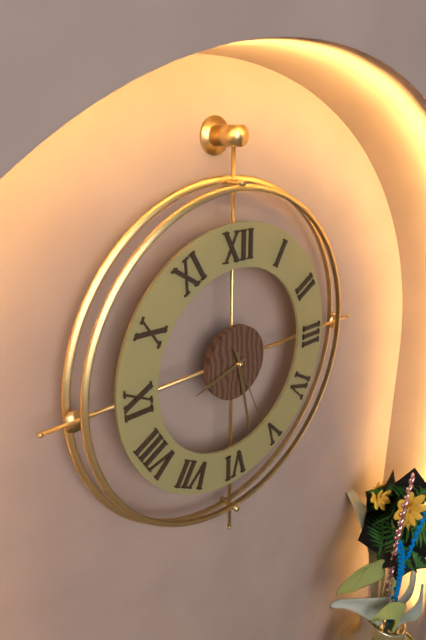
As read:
{"hour": 8, "minute": 28, "second": 26}
